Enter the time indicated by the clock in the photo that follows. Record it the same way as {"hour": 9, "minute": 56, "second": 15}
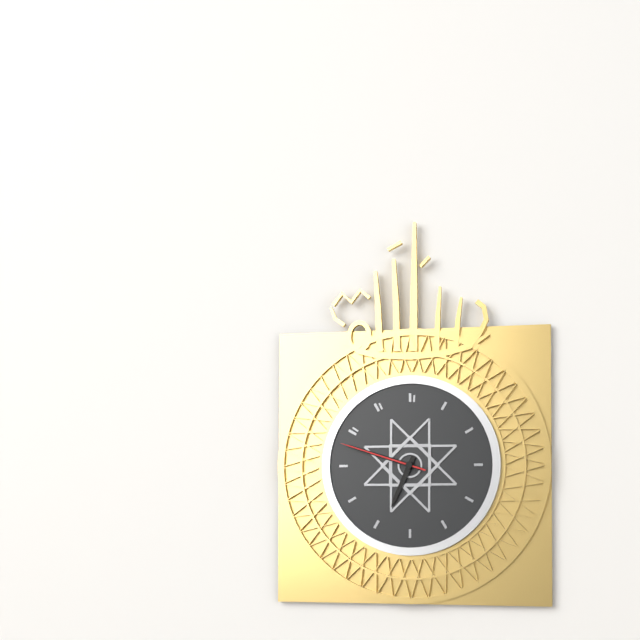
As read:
{"hour": 6, "minute": 48, "second": 48}
